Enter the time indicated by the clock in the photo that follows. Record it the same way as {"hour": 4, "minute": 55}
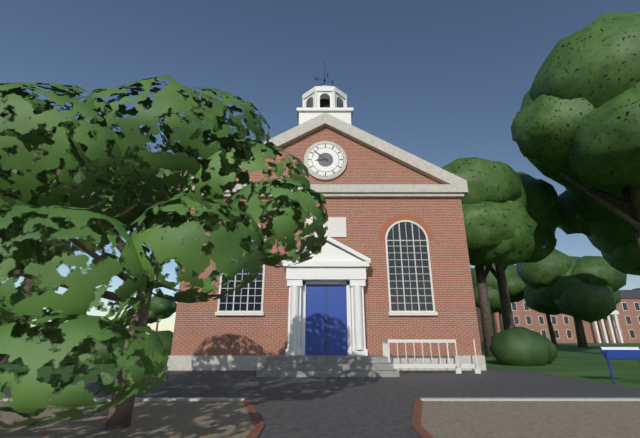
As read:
{"hour": 8, "minute": 52}
